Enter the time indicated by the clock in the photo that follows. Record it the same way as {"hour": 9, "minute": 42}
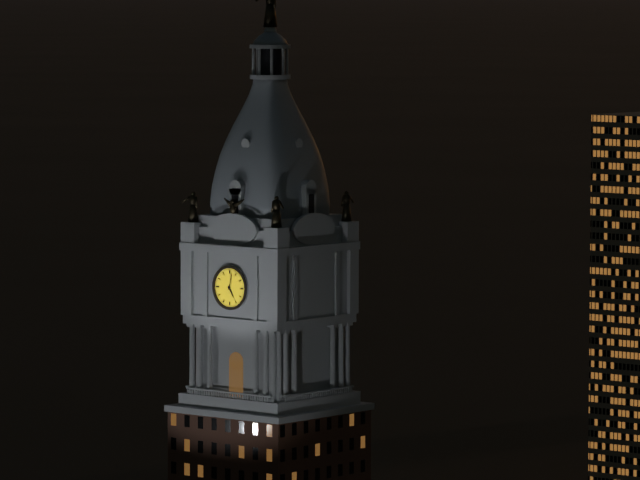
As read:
{"hour": 5, "minute": 2}
